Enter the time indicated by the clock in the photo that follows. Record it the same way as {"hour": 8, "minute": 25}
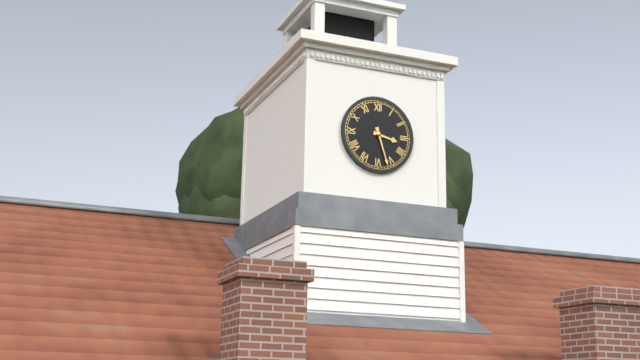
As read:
{"hour": 3, "minute": 27}
